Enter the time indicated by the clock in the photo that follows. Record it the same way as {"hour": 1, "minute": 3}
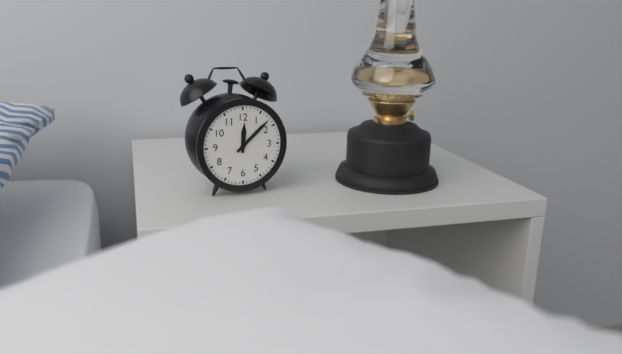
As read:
{"hour": 12, "minute": 8}
